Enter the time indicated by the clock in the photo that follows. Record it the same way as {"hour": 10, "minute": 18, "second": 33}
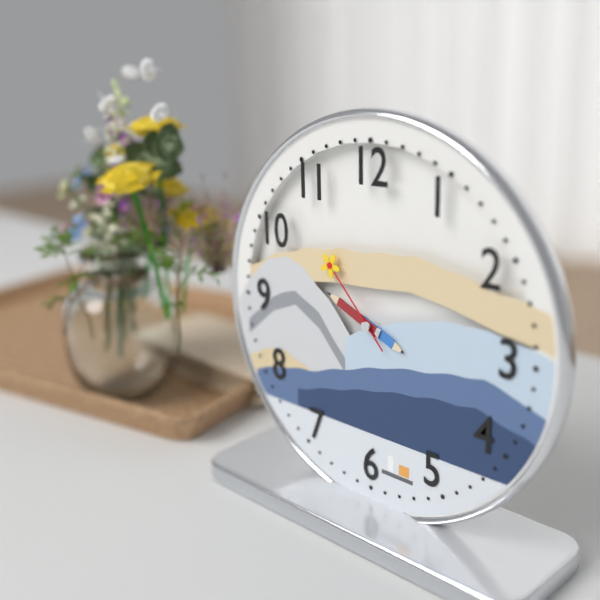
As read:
{"hour": 3, "minute": 49, "second": 53}
